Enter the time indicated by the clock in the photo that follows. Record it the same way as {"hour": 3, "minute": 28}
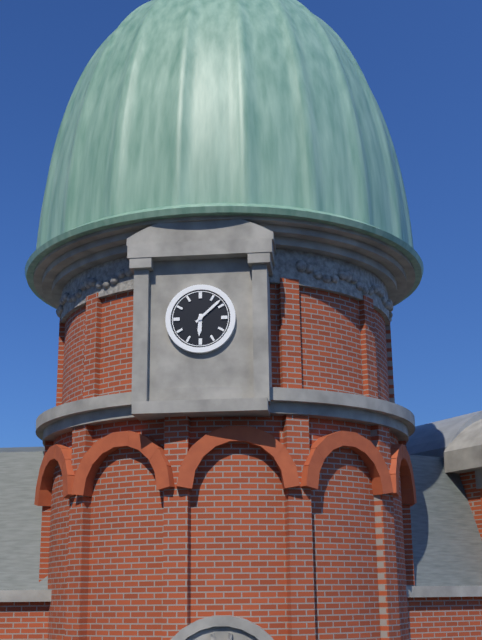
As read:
{"hour": 6, "minute": 8}
